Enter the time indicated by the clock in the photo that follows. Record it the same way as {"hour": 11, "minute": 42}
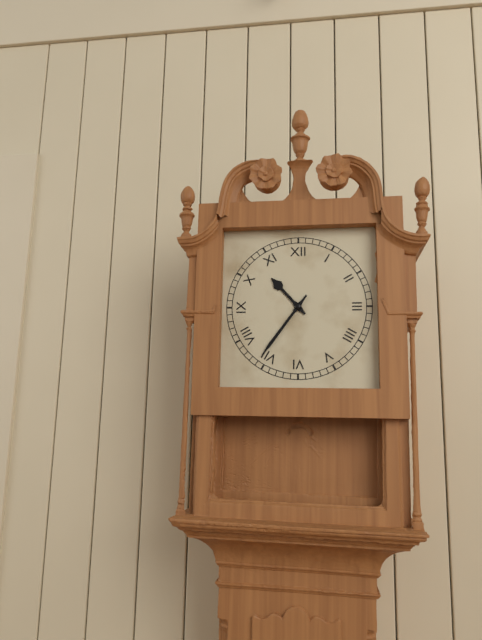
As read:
{"hour": 10, "minute": 36}
